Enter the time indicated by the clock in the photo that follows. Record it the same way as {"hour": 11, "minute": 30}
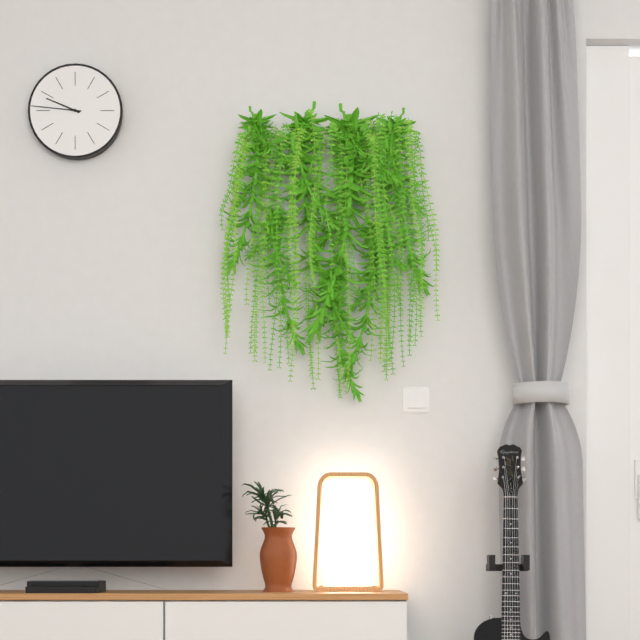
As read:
{"hour": 9, "minute": 46}
